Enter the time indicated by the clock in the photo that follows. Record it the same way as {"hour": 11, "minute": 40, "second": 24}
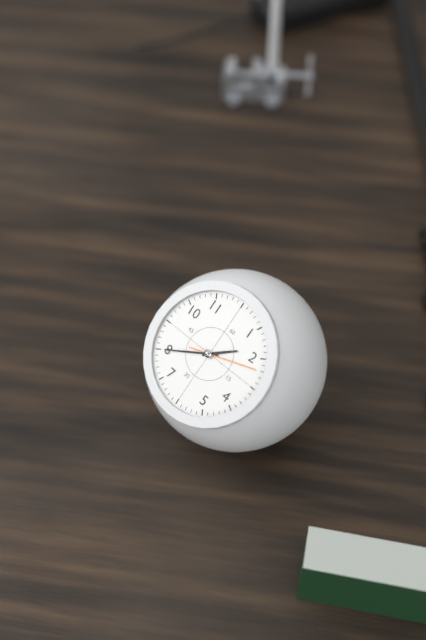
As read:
{"hour": 1, "minute": 40, "second": 12}
